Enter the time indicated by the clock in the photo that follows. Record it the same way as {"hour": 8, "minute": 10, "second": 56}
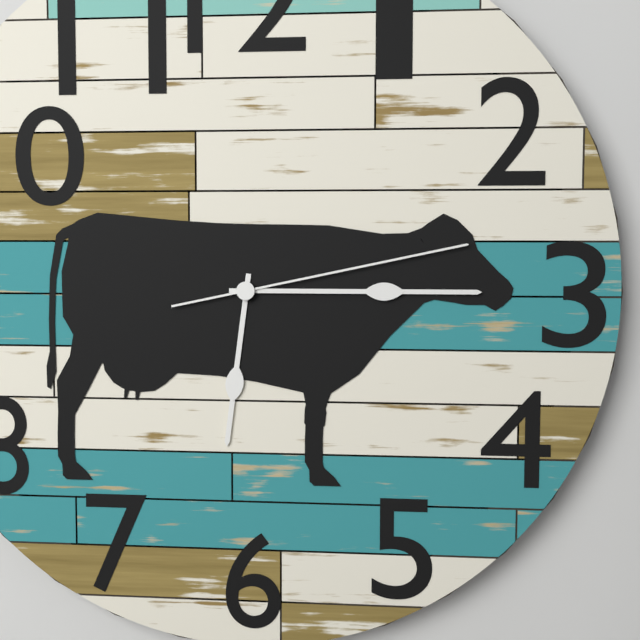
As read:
{"hour": 6, "minute": 15, "second": 13}
